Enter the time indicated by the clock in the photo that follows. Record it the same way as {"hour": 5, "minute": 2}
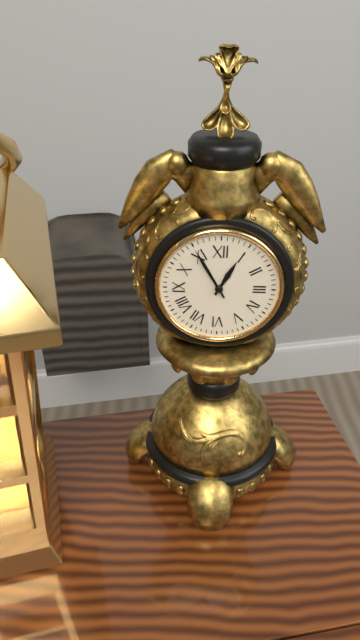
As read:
{"hour": 12, "minute": 55}
